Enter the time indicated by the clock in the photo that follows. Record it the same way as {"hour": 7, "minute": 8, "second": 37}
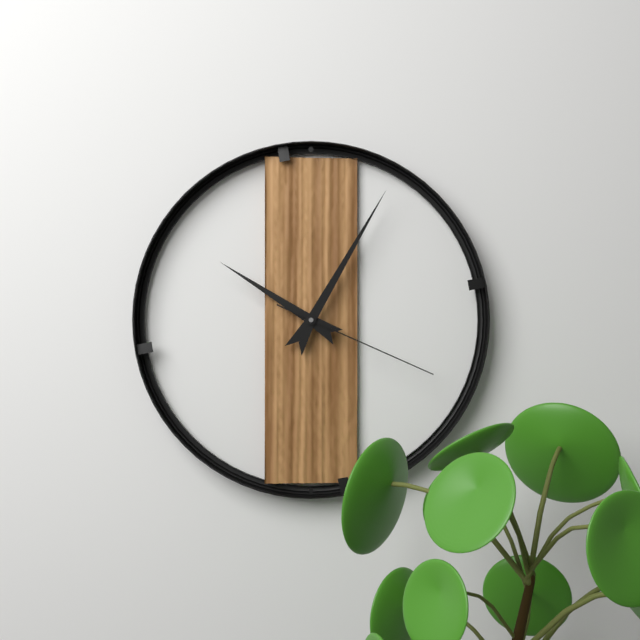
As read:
{"hour": 10, "minute": 5, "second": 19}
